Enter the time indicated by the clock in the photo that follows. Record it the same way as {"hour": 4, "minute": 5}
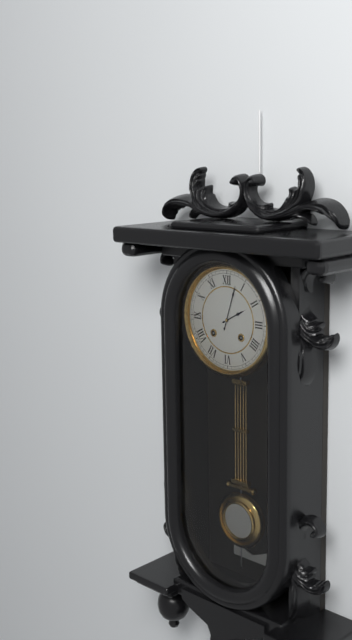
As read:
{"hour": 2, "minute": 3}
